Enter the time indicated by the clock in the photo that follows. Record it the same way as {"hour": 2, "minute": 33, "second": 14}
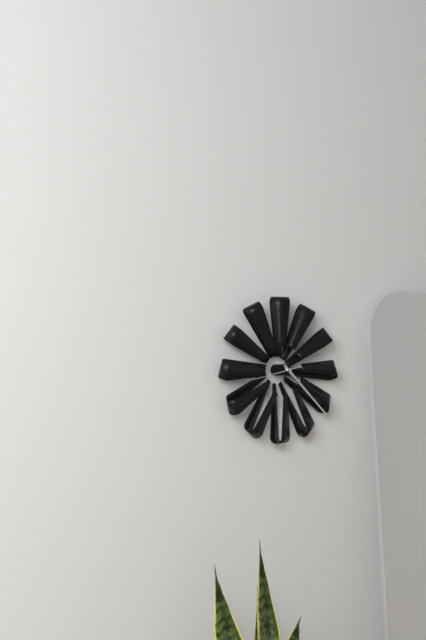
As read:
{"hour": 4, "minute": 22, "second": 43}
